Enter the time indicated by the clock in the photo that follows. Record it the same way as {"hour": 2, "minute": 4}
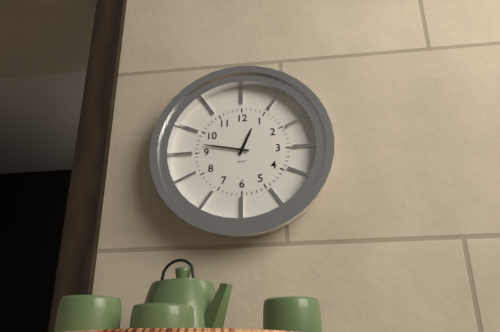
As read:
{"hour": 12, "minute": 47}
